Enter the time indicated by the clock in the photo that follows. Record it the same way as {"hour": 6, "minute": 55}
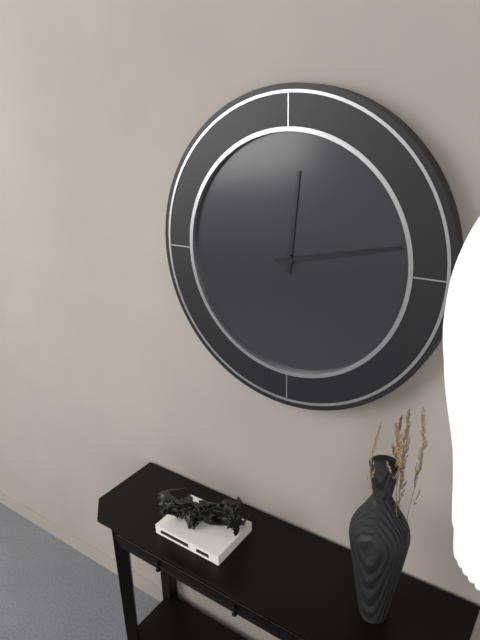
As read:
{"hour": 12, "minute": 13}
